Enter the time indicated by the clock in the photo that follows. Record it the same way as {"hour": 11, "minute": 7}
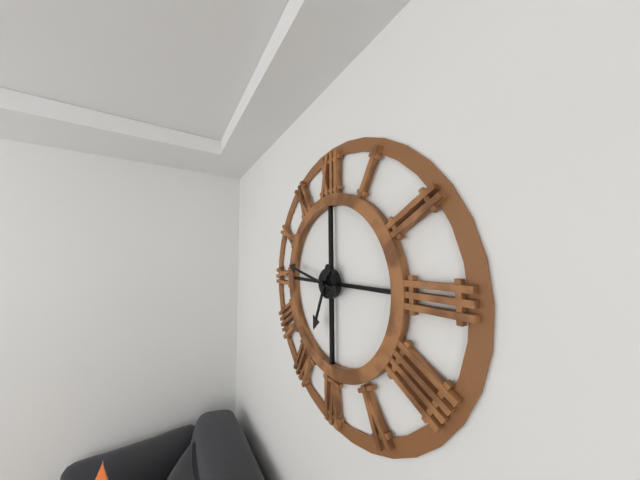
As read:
{"hour": 6, "minute": 47}
